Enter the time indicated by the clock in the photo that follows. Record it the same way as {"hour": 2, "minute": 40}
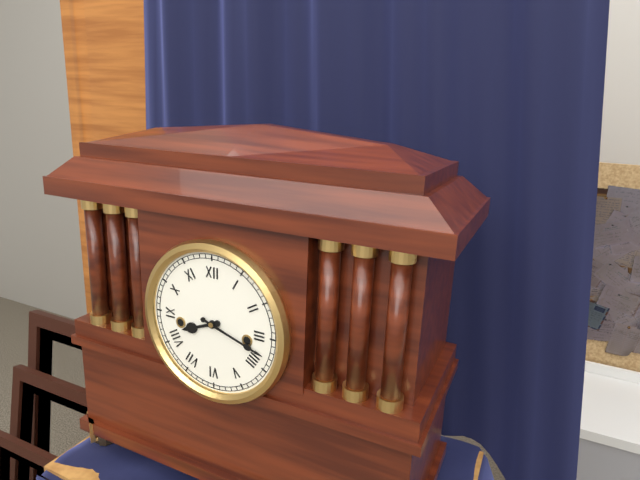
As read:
{"hour": 8, "minute": 18}
